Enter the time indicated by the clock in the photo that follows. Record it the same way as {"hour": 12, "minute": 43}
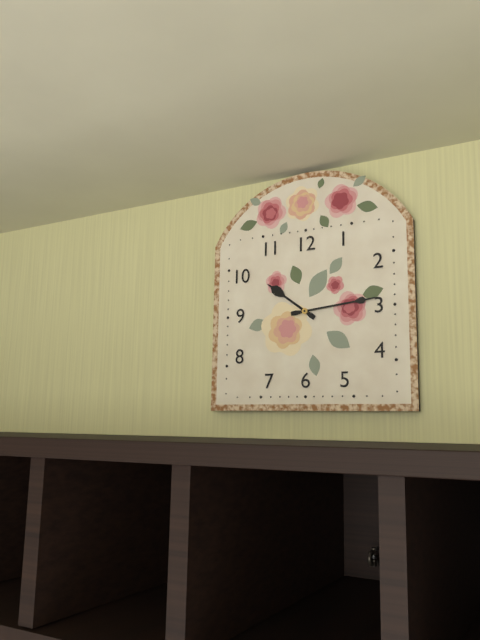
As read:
{"hour": 10, "minute": 14}
